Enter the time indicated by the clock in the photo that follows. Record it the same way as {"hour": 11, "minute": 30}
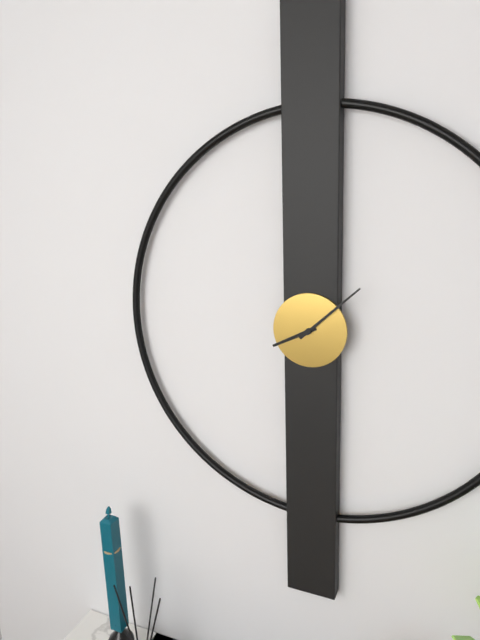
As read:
{"hour": 8, "minute": 8}
